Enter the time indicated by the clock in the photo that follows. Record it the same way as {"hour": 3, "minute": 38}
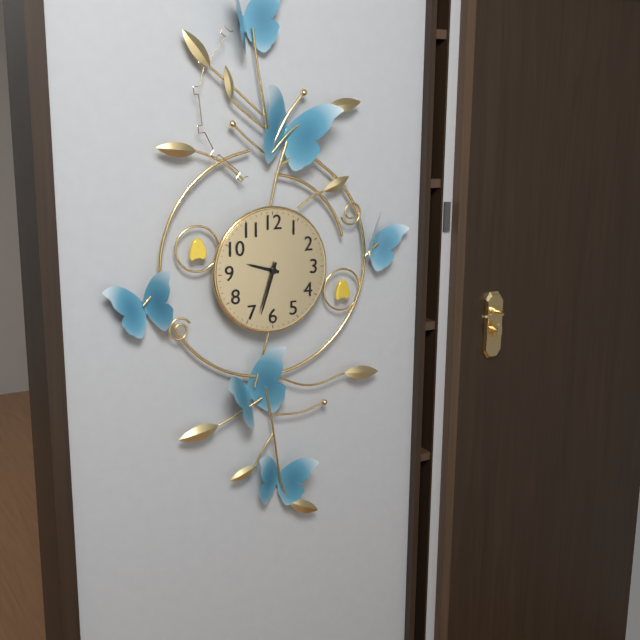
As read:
{"hour": 9, "minute": 33}
